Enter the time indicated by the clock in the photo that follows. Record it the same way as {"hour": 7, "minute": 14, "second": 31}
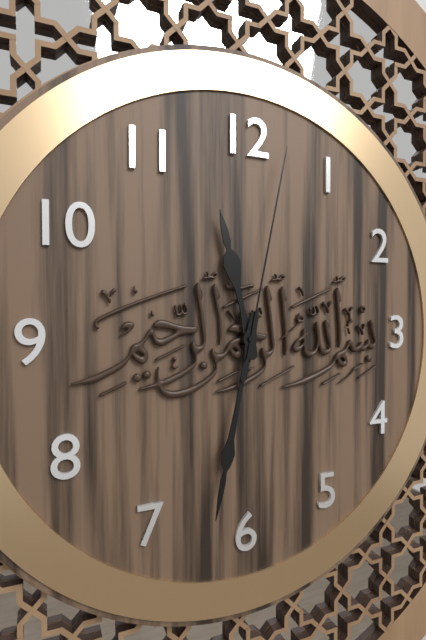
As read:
{"hour": 11, "minute": 32, "second": 2}
